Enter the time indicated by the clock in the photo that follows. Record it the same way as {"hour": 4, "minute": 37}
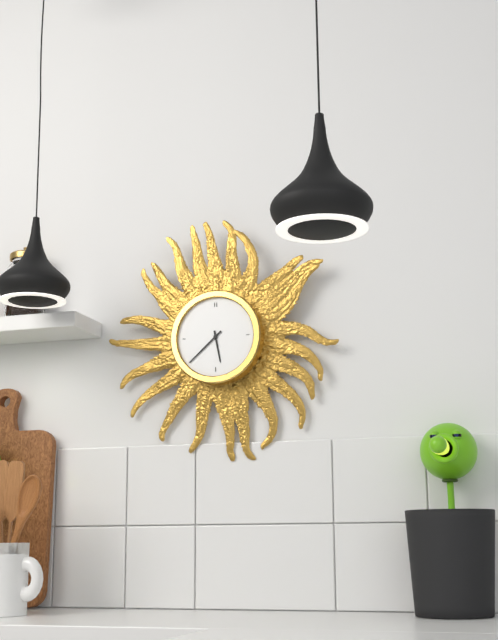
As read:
{"hour": 5, "minute": 38}
